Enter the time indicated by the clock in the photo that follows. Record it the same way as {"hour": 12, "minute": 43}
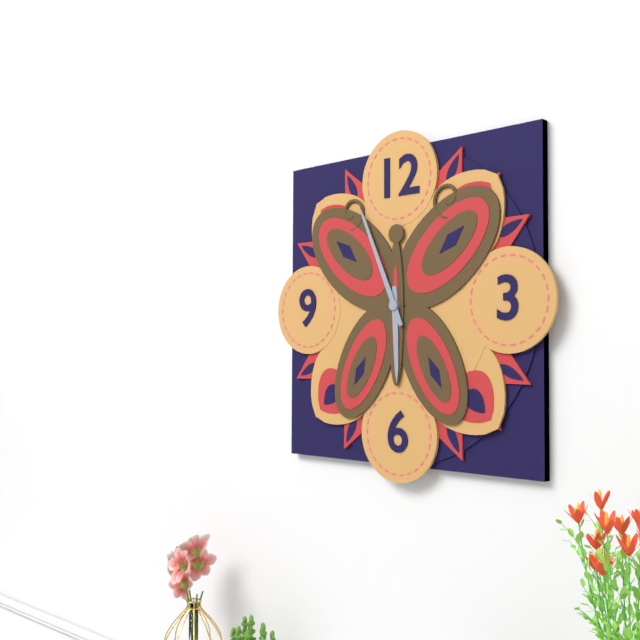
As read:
{"hour": 5, "minute": 56}
